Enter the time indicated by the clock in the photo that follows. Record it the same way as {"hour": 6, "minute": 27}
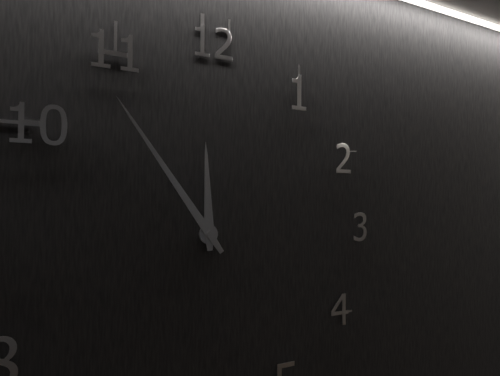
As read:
{"hour": 11, "minute": 54}
